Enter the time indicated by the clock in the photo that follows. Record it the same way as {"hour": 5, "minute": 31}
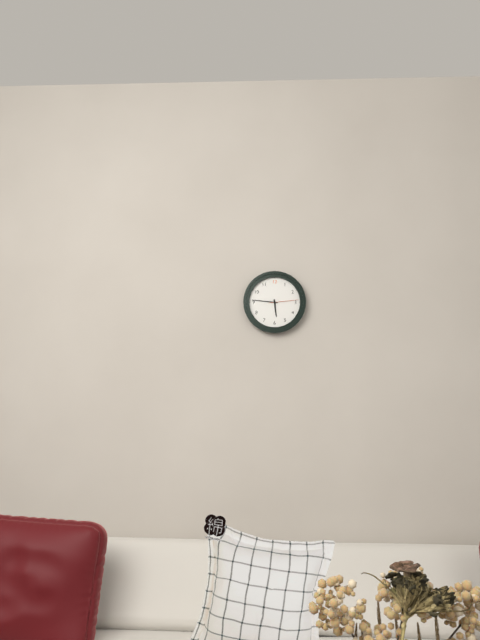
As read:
{"hour": 5, "minute": 46}
